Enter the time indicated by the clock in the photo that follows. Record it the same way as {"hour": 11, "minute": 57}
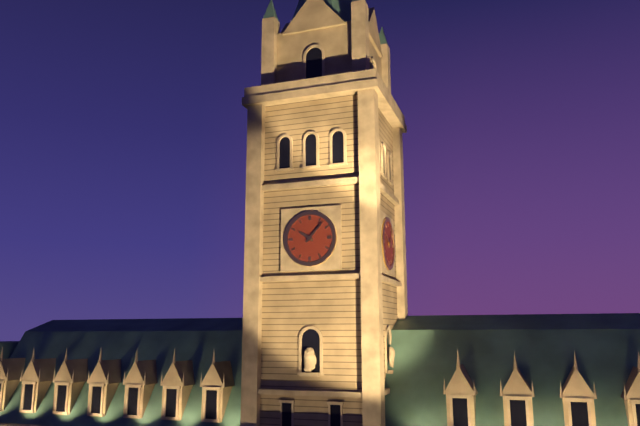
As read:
{"hour": 10, "minute": 7}
